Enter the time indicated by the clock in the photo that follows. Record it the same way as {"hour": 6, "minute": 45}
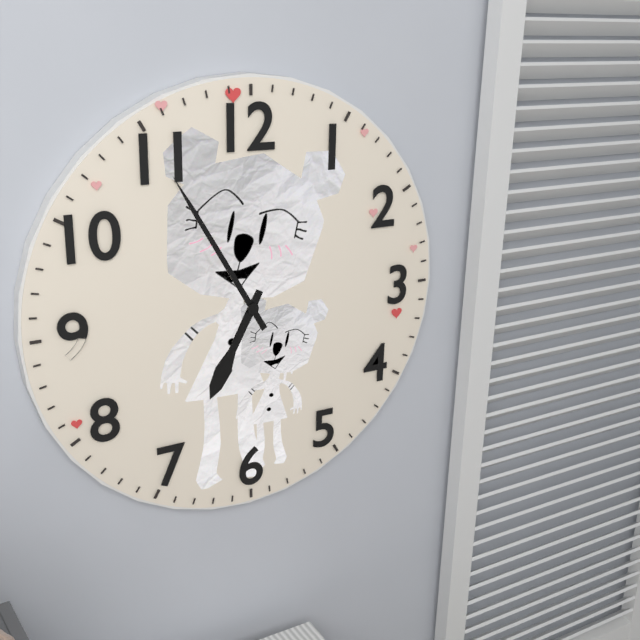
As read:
{"hour": 6, "minute": 55}
